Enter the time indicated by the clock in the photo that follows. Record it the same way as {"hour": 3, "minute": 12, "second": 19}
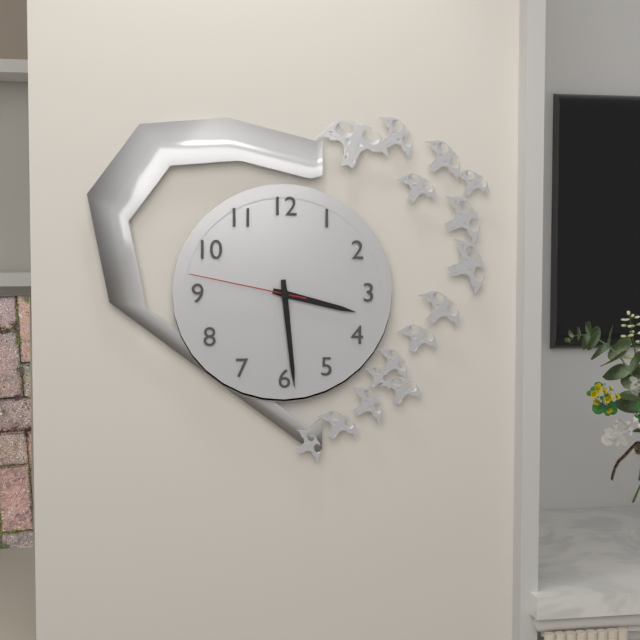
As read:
{"hour": 3, "minute": 29, "second": 47}
